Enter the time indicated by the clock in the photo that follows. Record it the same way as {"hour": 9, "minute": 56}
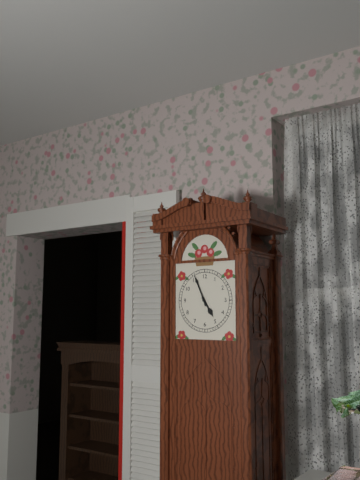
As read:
{"hour": 4, "minute": 56}
